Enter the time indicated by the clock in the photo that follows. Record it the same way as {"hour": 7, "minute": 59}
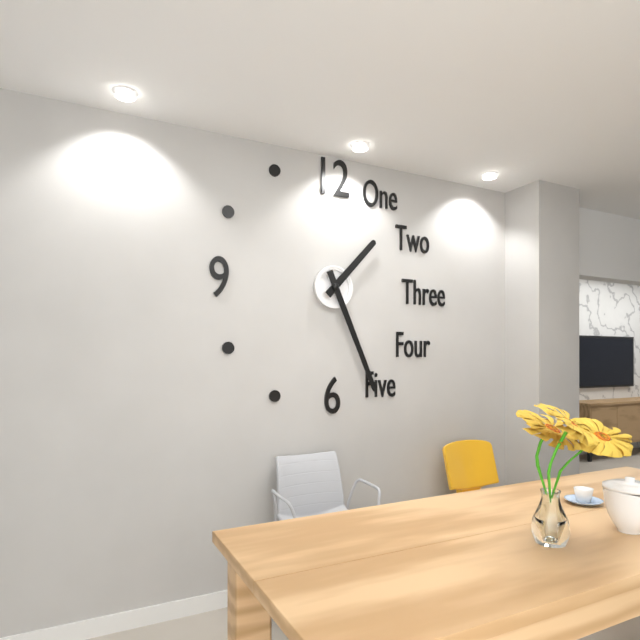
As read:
{"hour": 1, "minute": 26}
